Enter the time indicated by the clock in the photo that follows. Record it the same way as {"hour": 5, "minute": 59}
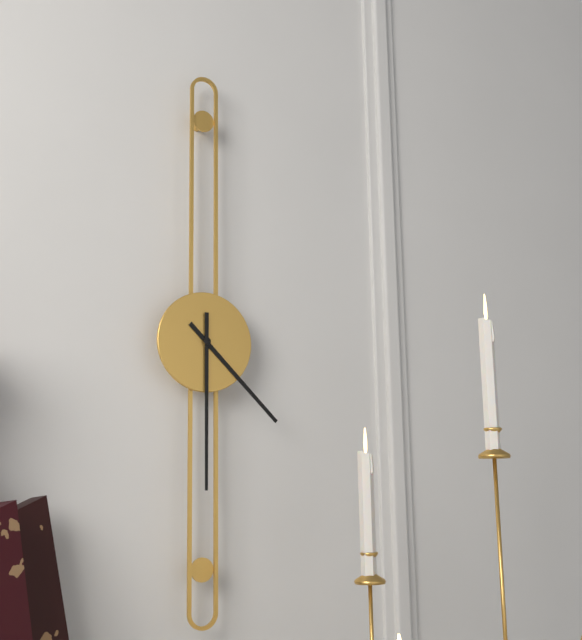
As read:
{"hour": 4, "minute": 30}
